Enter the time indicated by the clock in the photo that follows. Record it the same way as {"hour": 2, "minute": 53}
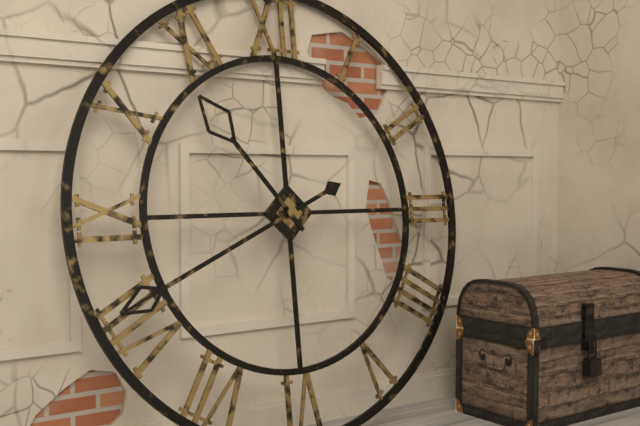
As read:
{"hour": 10, "minute": 41}
